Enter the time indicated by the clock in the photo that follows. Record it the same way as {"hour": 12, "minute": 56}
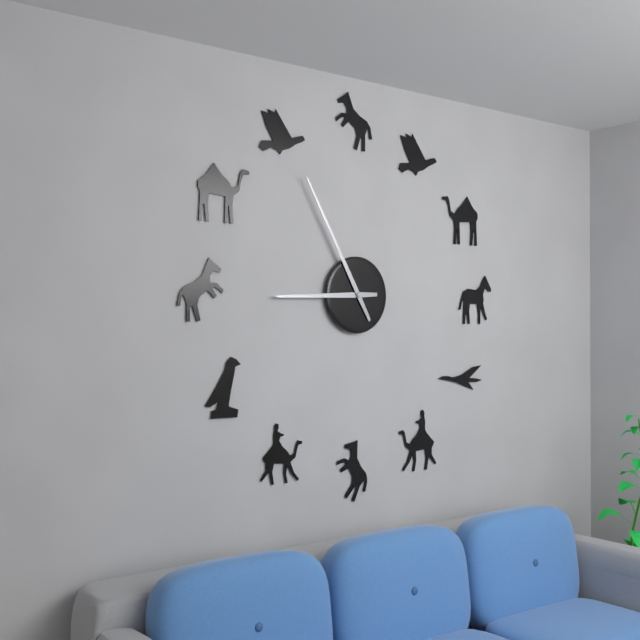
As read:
{"hour": 8, "minute": 55}
